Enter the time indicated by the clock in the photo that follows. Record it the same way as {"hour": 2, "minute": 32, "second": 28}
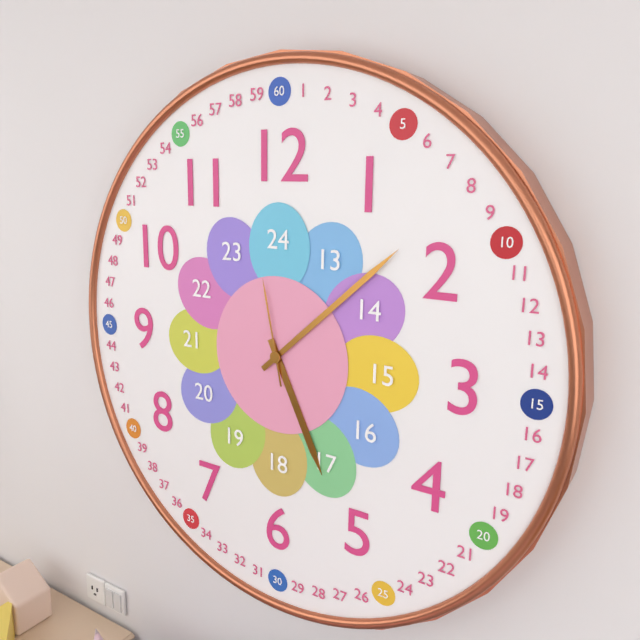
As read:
{"hour": 5, "minute": 8, "second": 58}
